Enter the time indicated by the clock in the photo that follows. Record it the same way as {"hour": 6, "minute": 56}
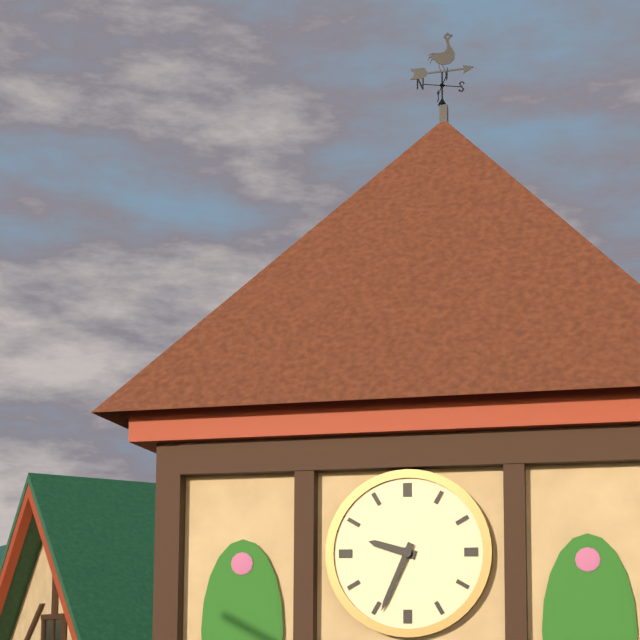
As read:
{"hour": 9, "minute": 34}
